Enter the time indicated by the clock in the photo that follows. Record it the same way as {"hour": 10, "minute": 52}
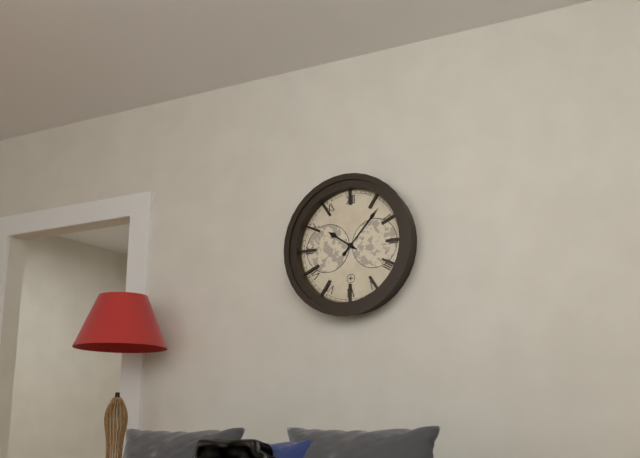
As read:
{"hour": 10, "minute": 7}
